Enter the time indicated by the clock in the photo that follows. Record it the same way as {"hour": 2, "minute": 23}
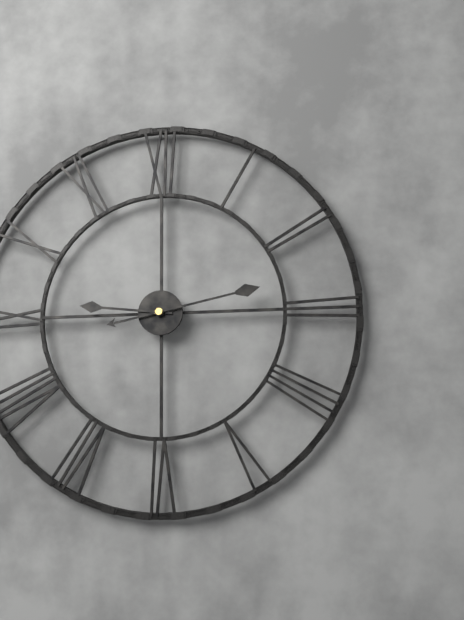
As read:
{"hour": 9, "minute": 13}
